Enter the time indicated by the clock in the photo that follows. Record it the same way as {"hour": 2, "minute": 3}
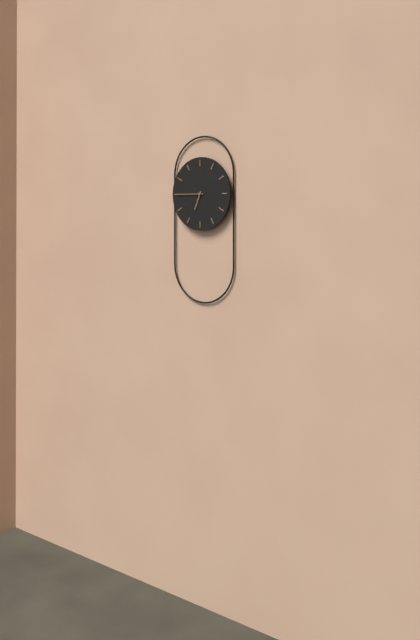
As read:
{"hour": 6, "minute": 45}
